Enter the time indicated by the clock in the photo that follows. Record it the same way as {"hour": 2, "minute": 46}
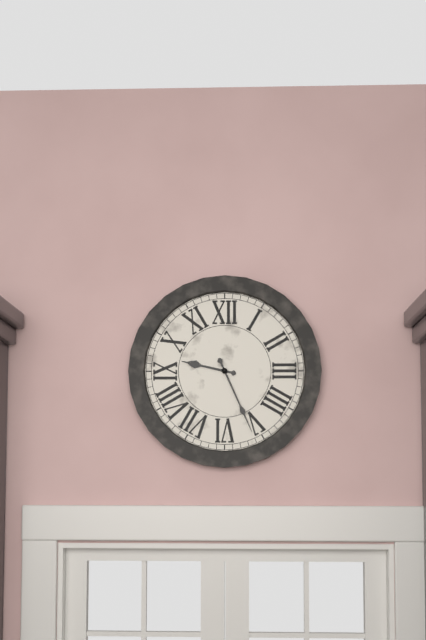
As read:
{"hour": 9, "minute": 26}
